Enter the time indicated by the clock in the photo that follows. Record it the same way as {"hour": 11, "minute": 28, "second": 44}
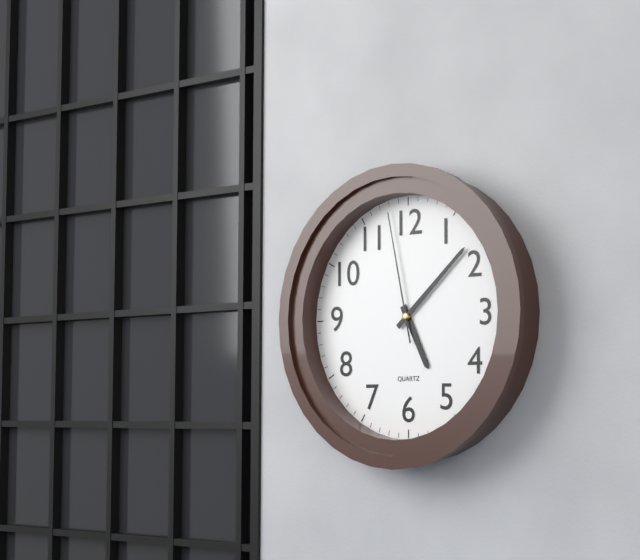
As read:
{"hour": 5, "minute": 8, "second": 58}
